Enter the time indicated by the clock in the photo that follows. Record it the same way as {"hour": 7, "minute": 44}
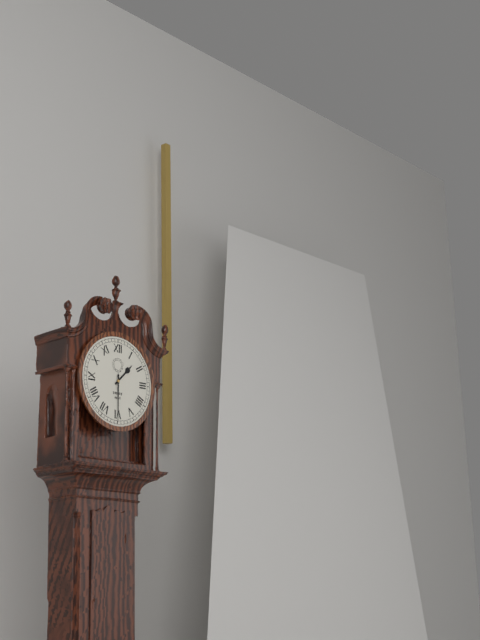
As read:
{"hour": 1, "minute": 30}
